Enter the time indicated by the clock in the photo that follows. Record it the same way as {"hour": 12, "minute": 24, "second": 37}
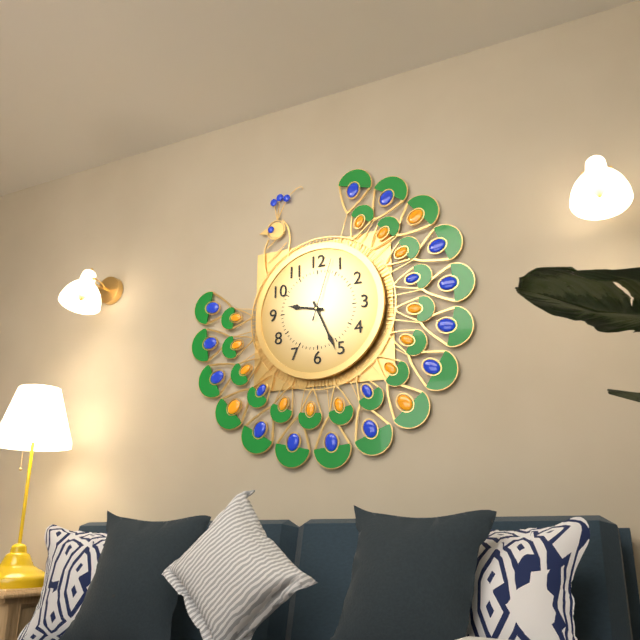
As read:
{"hour": 9, "minute": 26, "second": 3}
